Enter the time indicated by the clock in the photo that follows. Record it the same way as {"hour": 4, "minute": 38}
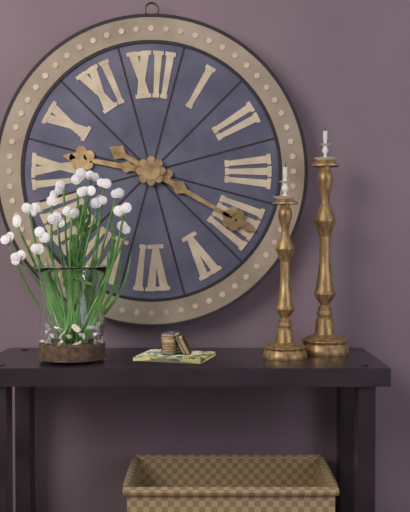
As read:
{"hour": 9, "minute": 20}
